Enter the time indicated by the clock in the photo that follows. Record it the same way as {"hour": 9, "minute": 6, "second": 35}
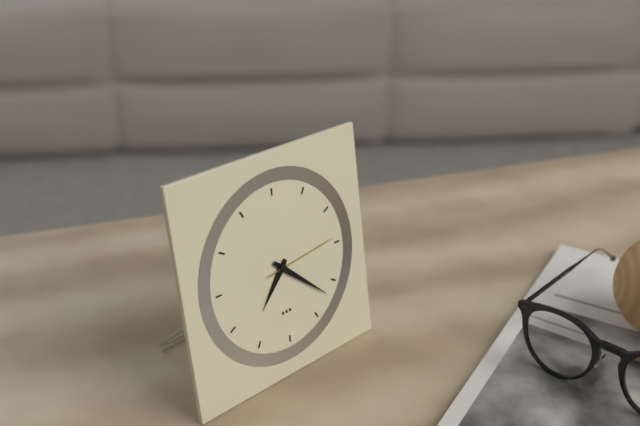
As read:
{"hour": 7, "minute": 22, "second": 14}
